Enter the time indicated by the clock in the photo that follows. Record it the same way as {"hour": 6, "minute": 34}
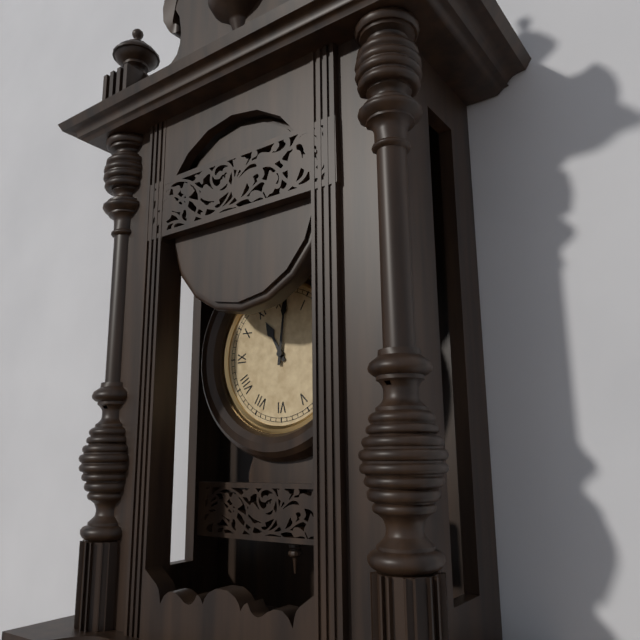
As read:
{"hour": 11, "minute": 1}
